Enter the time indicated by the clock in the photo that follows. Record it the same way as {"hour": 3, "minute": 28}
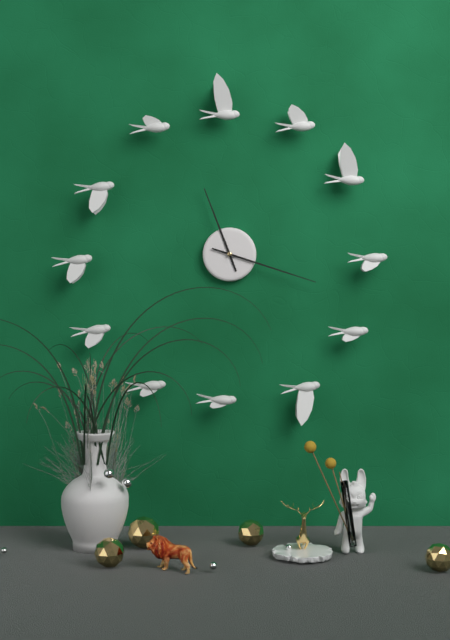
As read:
{"hour": 11, "minute": 18}
